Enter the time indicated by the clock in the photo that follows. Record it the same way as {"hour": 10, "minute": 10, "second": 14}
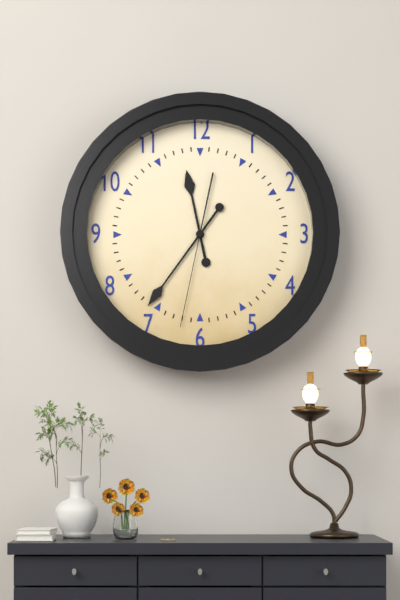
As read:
{"hour": 11, "minute": 36, "second": 32}
